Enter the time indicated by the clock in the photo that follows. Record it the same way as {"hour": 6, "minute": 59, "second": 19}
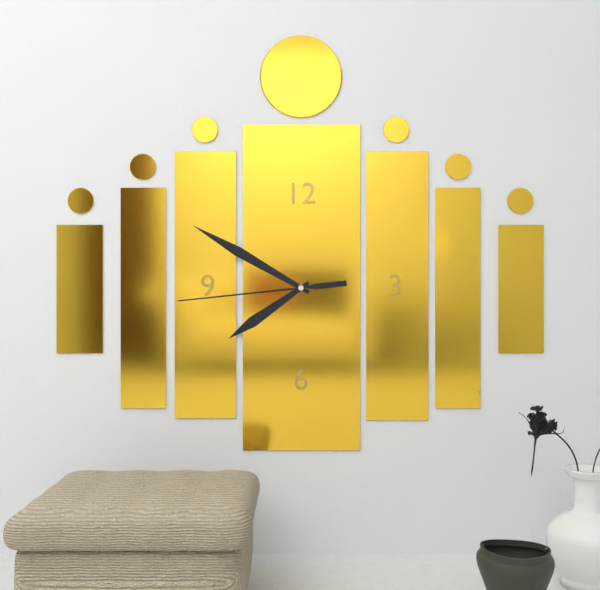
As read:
{"hour": 7, "minute": 50, "second": 44}
